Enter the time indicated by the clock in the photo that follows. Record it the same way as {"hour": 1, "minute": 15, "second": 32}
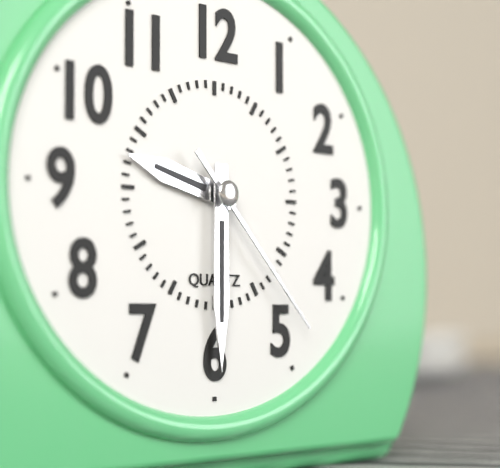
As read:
{"hour": 9, "minute": 30, "second": 23}
